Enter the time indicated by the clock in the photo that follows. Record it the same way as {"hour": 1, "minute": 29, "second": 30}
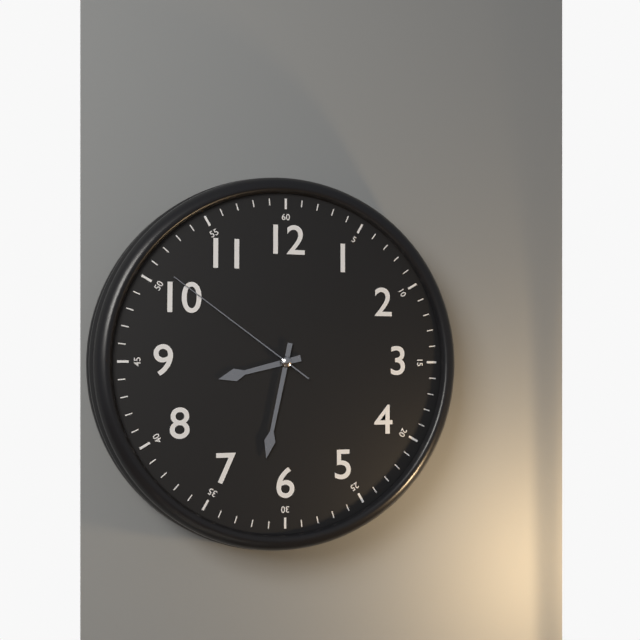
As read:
{"hour": 8, "minute": 32, "second": 51}
